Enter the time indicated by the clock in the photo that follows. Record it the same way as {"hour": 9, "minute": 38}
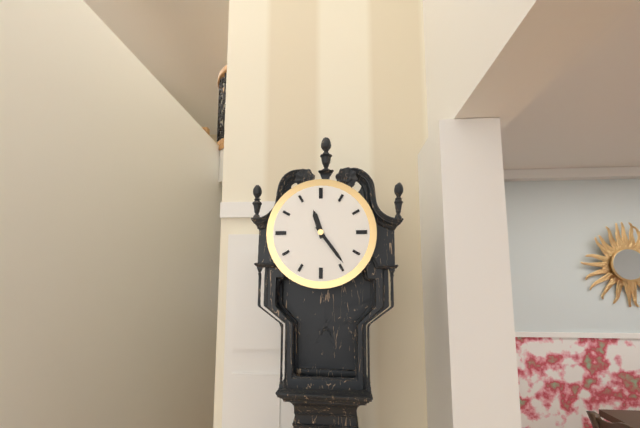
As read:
{"hour": 11, "minute": 24}
